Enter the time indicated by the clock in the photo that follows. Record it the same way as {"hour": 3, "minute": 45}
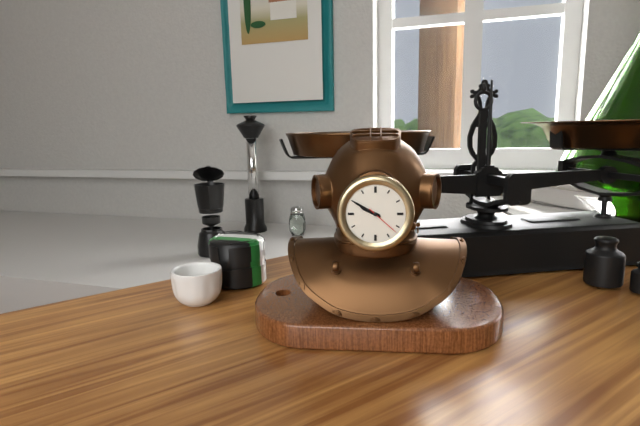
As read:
{"hour": 9, "minute": 50}
